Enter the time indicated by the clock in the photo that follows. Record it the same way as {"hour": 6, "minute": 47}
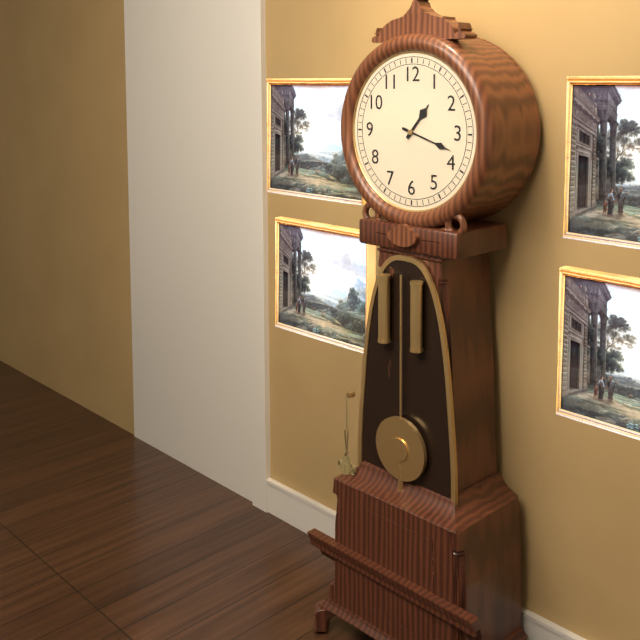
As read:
{"hour": 1, "minute": 18}
